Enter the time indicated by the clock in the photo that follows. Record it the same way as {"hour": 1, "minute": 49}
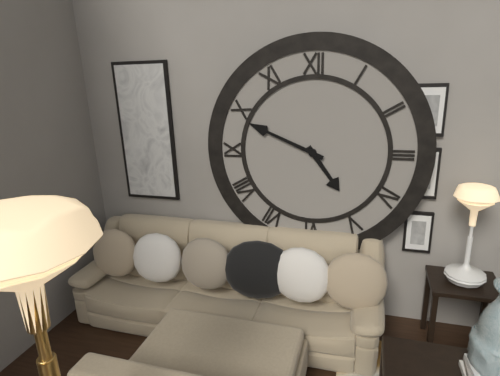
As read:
{"hour": 4, "minute": 49}
